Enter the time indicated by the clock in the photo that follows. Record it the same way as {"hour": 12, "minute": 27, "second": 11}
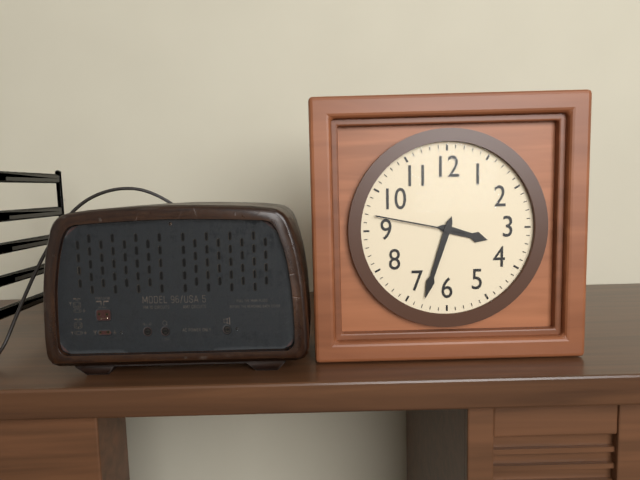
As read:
{"hour": 3, "minute": 33, "second": 47}
